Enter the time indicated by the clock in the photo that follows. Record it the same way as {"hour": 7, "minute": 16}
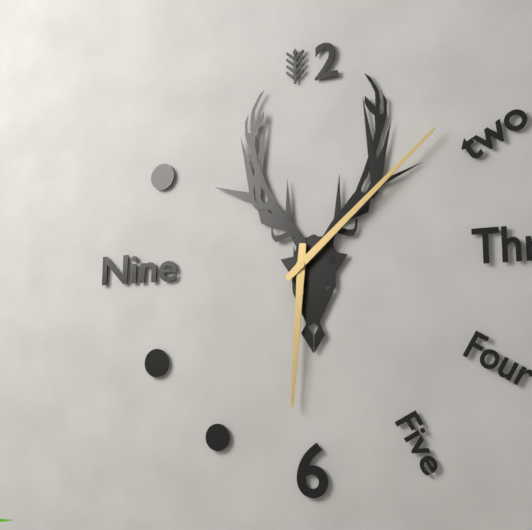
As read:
{"hour": 6, "minute": 8}
